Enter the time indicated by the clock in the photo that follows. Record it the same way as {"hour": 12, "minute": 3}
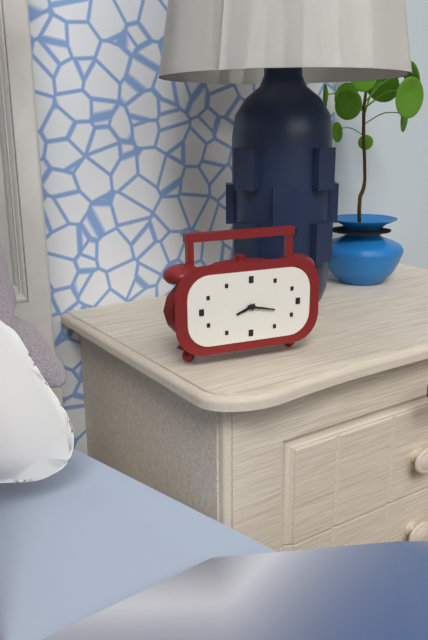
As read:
{"hour": 8, "minute": 17}
